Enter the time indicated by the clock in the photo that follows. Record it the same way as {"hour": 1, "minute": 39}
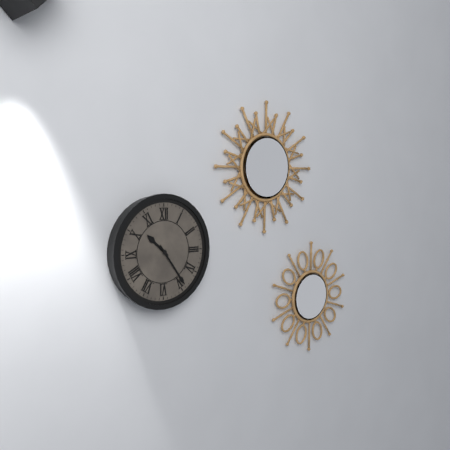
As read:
{"hour": 10, "minute": 24}
